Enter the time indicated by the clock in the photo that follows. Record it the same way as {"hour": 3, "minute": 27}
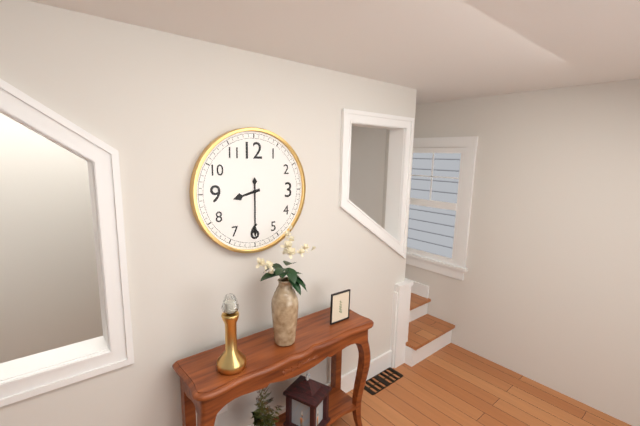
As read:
{"hour": 8, "minute": 30}
